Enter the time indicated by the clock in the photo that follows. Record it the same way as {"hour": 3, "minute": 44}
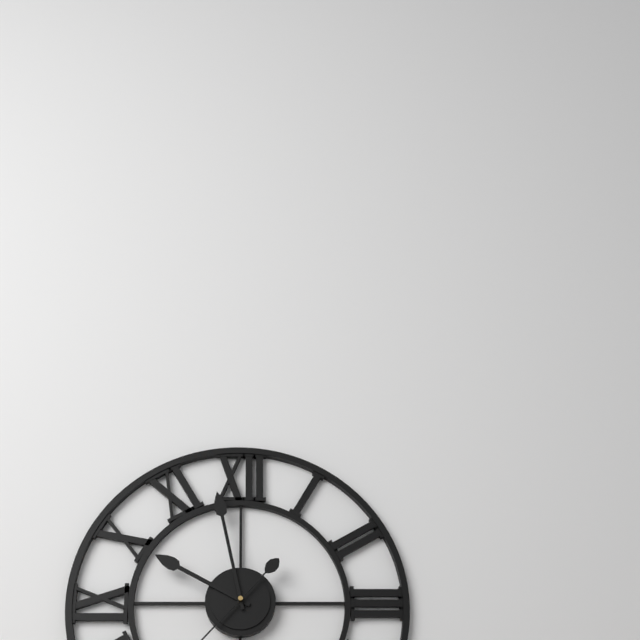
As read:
{"hour": 9, "minute": 58}
